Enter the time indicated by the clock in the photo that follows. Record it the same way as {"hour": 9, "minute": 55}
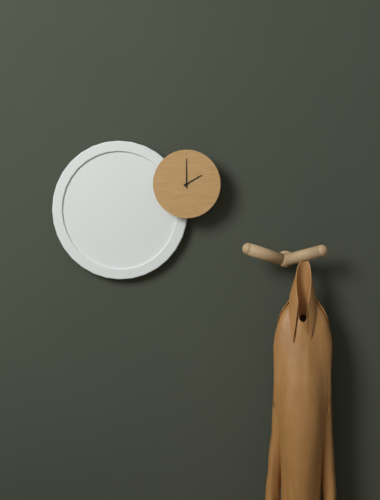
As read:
{"hour": 2, "minute": 0}
